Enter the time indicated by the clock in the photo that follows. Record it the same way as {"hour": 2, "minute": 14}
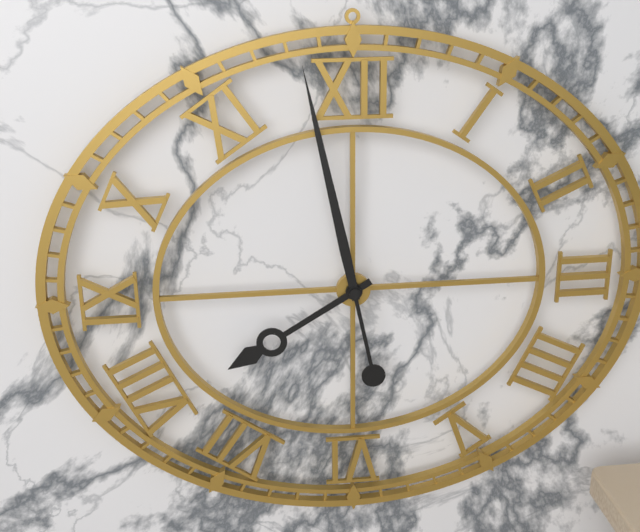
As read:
{"hour": 7, "minute": 58}
